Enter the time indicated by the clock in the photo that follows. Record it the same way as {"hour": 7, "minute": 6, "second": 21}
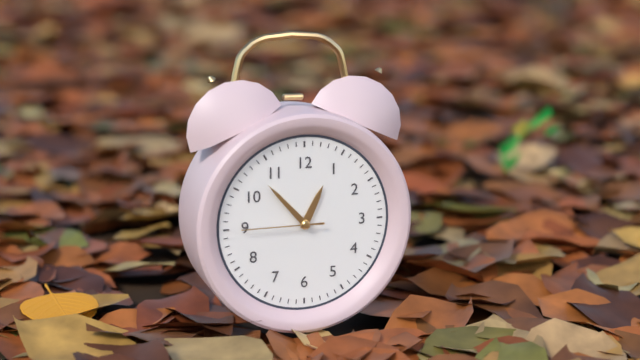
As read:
{"hour": 12, "minute": 53, "second": 45}
